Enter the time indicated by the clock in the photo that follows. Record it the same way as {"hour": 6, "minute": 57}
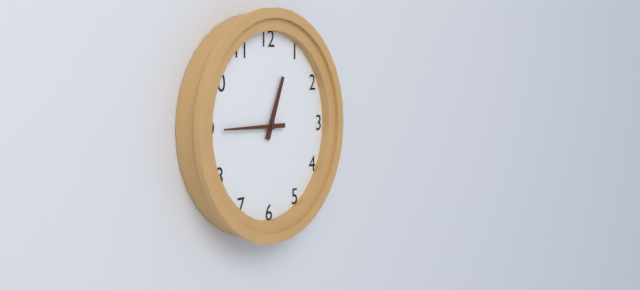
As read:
{"hour": 12, "minute": 45}
